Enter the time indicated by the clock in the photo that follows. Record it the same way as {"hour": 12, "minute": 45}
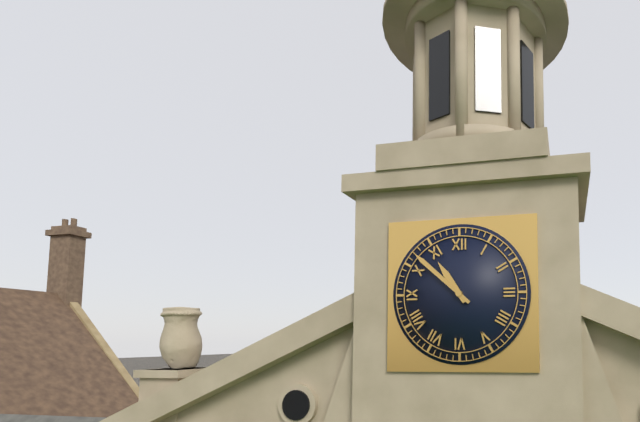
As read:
{"hour": 10, "minute": 52}
